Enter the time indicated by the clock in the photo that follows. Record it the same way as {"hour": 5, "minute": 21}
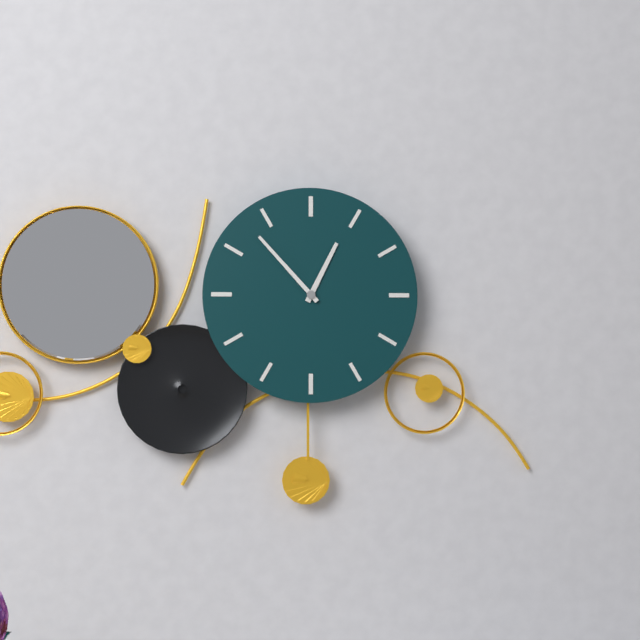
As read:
{"hour": 12, "minute": 53}
